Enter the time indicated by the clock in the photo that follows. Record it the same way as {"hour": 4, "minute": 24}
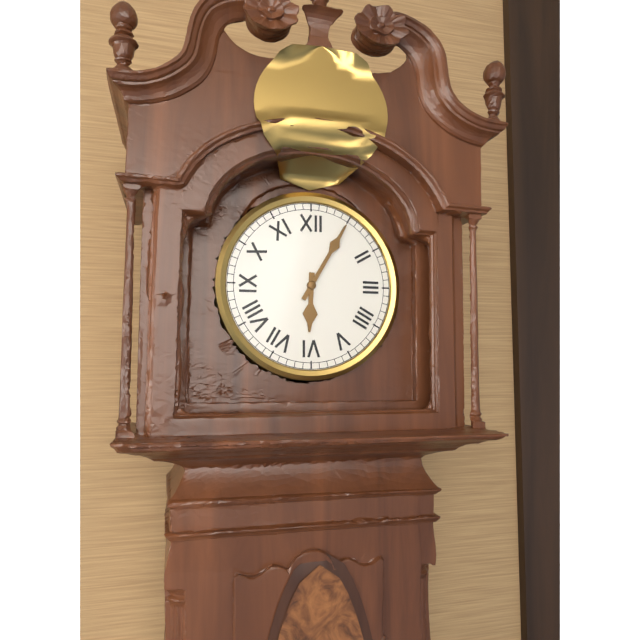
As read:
{"hour": 6, "minute": 5}
